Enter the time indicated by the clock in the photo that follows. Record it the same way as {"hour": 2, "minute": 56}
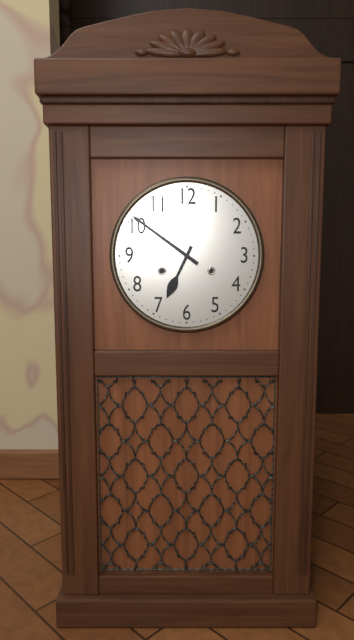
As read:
{"hour": 6, "minute": 51}
